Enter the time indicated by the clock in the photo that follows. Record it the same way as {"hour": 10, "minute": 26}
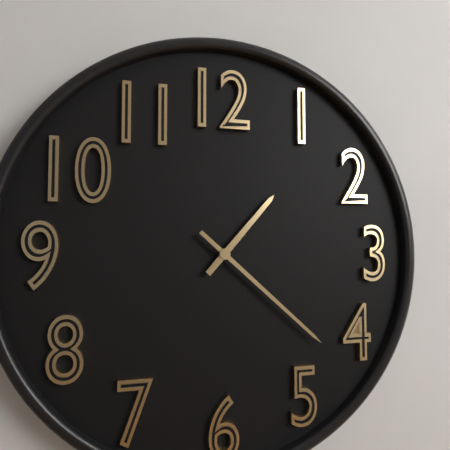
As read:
{"hour": 1, "minute": 22}
